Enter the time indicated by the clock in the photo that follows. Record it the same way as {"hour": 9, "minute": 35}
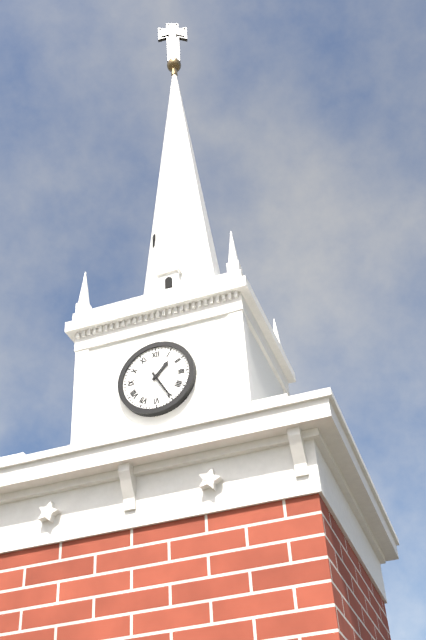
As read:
{"hour": 1, "minute": 25}
